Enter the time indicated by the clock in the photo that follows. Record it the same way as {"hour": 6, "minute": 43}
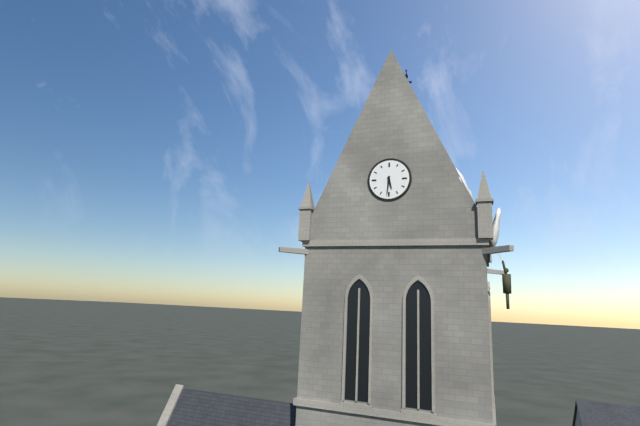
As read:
{"hour": 5, "minute": 31}
